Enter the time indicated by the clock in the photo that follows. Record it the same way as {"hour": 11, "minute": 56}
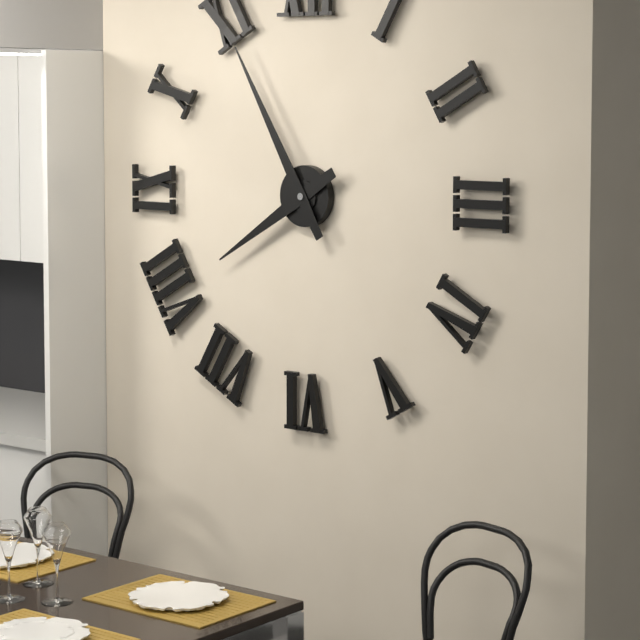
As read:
{"hour": 7, "minute": 55}
